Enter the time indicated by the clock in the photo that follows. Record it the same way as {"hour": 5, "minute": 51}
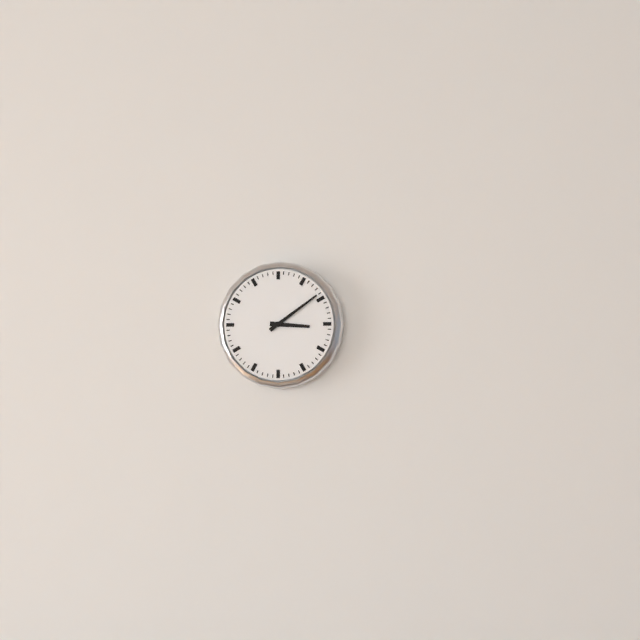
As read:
{"hour": 3, "minute": 9}
